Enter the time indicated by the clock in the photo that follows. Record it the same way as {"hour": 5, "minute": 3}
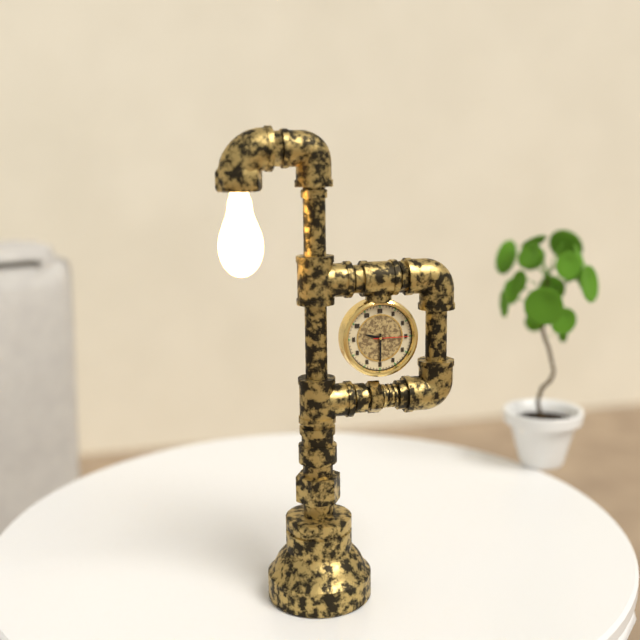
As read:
{"hour": 9, "minute": 30}
